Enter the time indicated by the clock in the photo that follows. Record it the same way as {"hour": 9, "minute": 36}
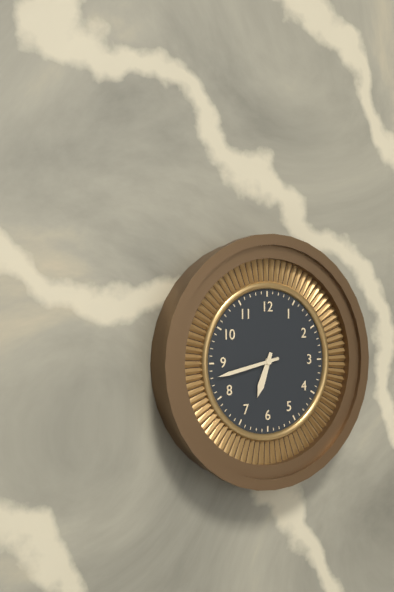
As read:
{"hour": 6, "minute": 43}
